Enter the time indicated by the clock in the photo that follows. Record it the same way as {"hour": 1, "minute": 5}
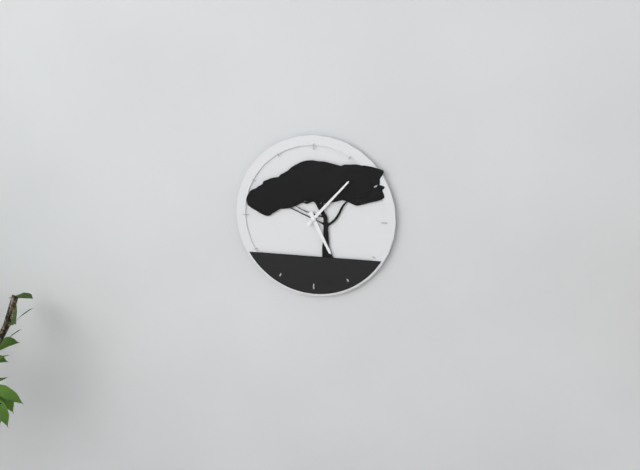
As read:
{"hour": 5, "minute": 7}
